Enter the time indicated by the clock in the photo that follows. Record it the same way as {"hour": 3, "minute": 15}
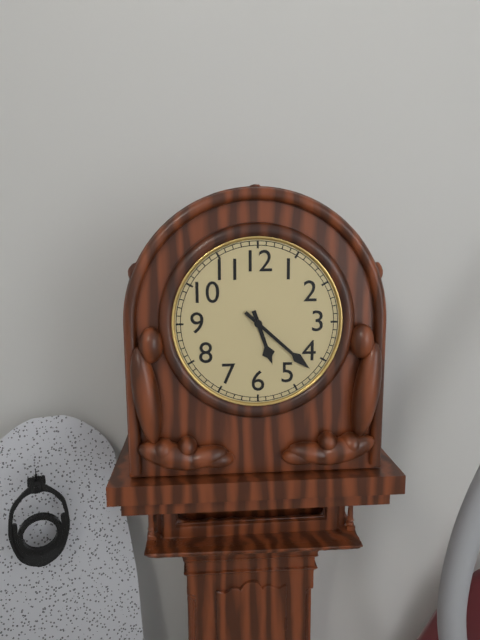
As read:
{"hour": 5, "minute": 22}
